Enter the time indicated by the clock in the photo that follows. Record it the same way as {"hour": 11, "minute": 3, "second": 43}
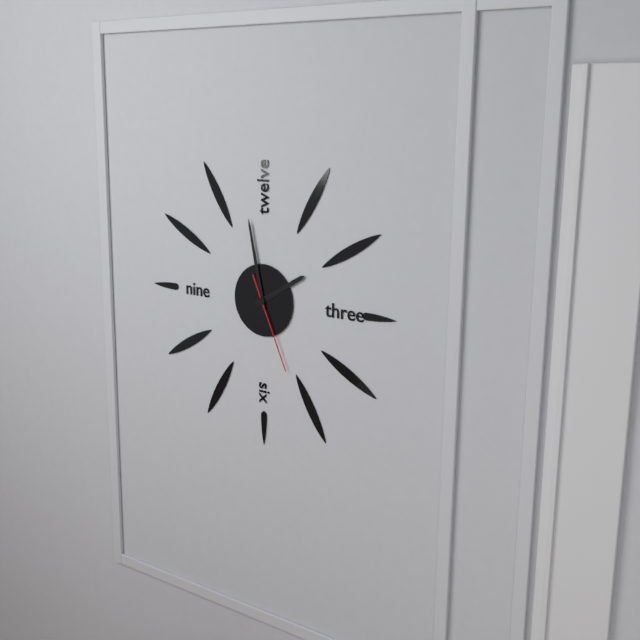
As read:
{"hour": 1, "minute": 58, "second": 26}
